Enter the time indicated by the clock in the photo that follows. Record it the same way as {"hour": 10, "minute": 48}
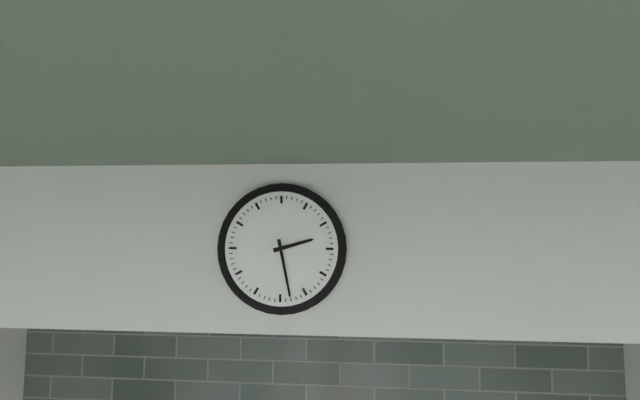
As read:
{"hour": 2, "minute": 28}
